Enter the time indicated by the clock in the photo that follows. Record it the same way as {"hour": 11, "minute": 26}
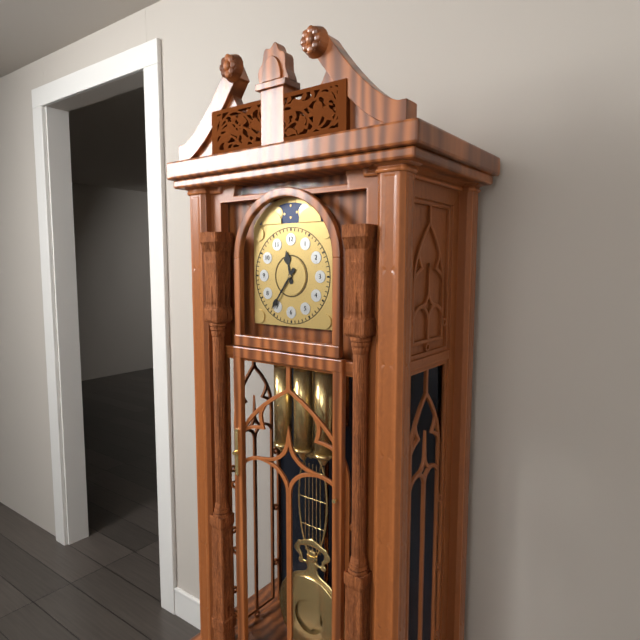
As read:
{"hour": 11, "minute": 36}
